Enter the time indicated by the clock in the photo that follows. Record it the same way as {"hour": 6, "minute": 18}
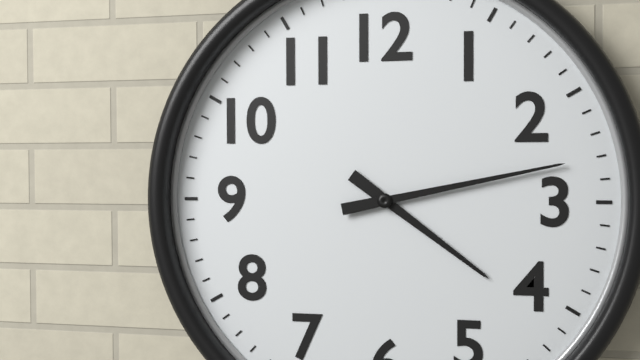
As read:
{"hour": 4, "minute": 13}
